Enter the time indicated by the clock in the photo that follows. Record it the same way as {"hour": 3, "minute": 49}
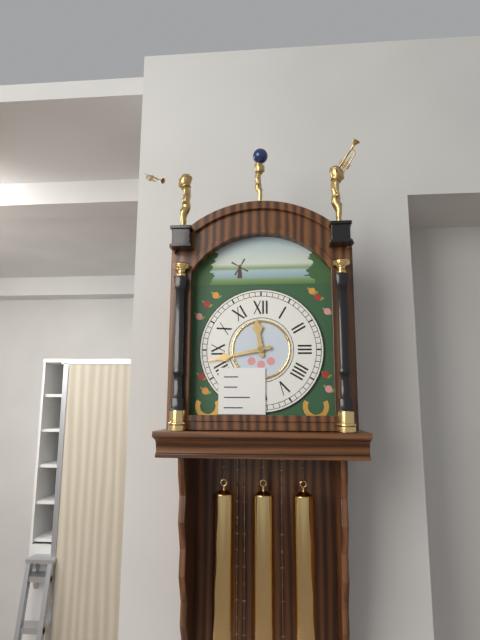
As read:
{"hour": 11, "minute": 43}
